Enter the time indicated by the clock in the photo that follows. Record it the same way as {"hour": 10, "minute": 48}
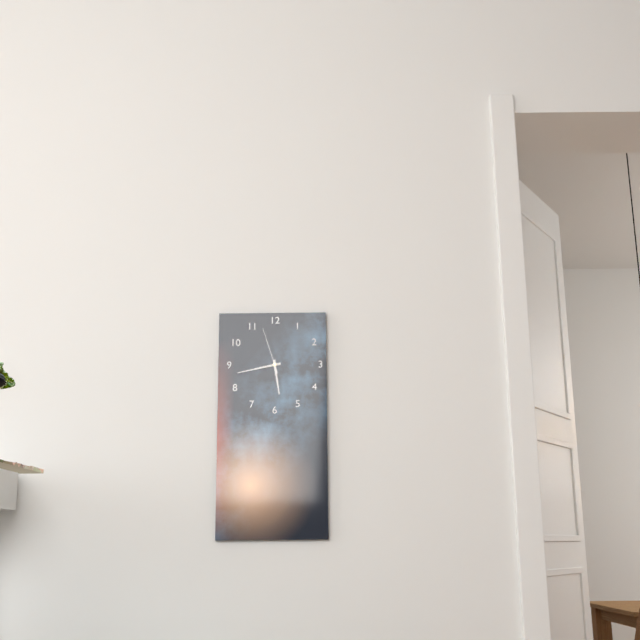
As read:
{"hour": 5, "minute": 43}
